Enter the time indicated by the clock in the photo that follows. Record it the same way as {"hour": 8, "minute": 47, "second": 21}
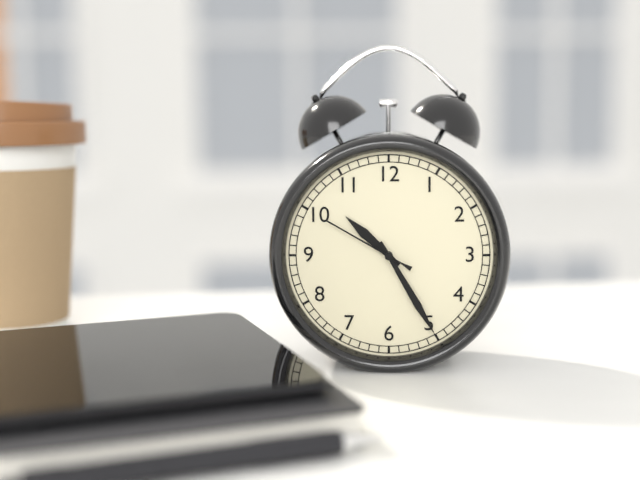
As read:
{"hour": 10, "minute": 25, "second": 50}
